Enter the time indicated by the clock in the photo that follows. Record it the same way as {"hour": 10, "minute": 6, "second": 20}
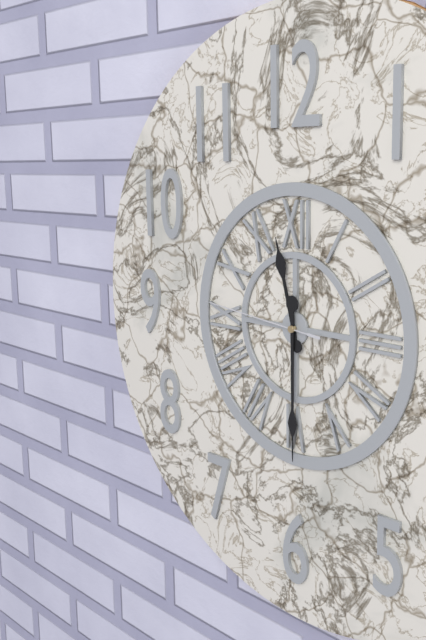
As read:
{"hour": 11, "minute": 30, "second": 46}
